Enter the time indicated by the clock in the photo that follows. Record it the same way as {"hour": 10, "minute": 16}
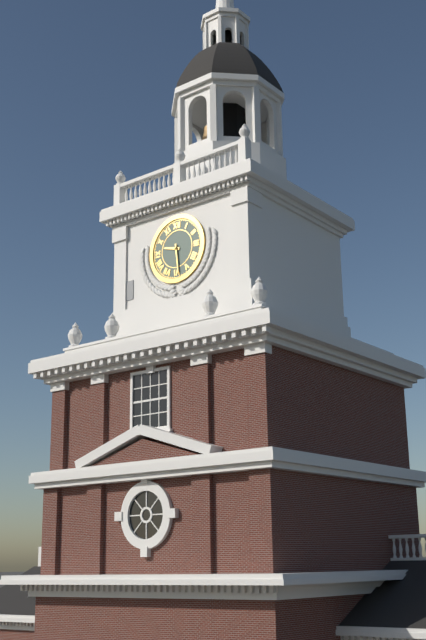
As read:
{"hour": 9, "minute": 29}
